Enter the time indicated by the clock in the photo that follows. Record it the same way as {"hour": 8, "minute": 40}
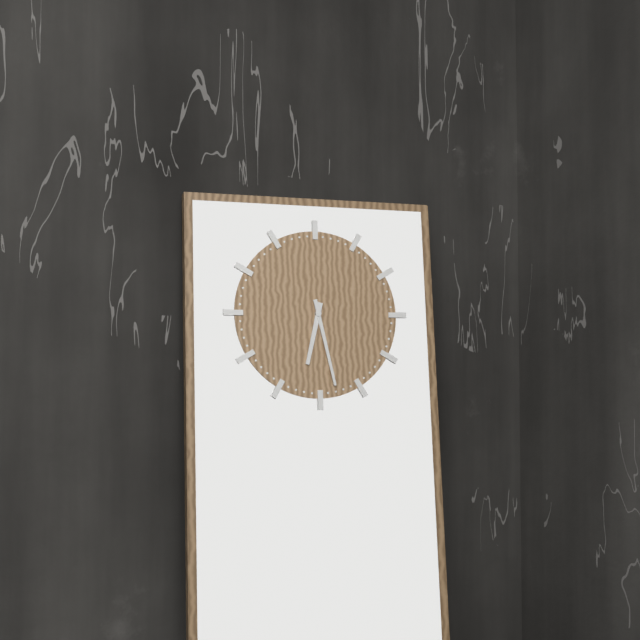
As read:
{"hour": 6, "minute": 28}
